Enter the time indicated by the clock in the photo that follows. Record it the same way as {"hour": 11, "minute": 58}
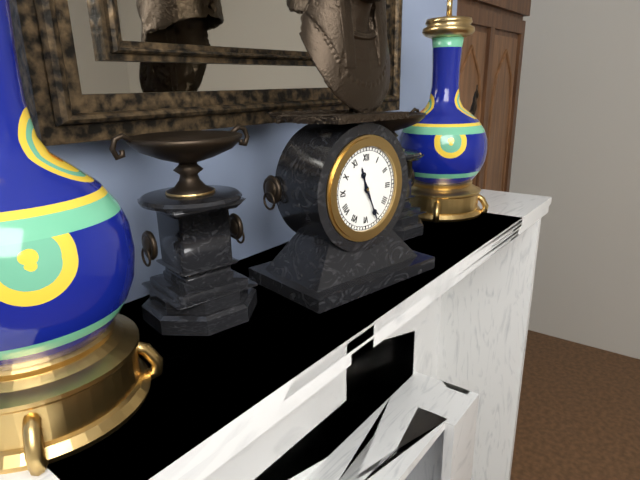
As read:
{"hour": 11, "minute": 26}
